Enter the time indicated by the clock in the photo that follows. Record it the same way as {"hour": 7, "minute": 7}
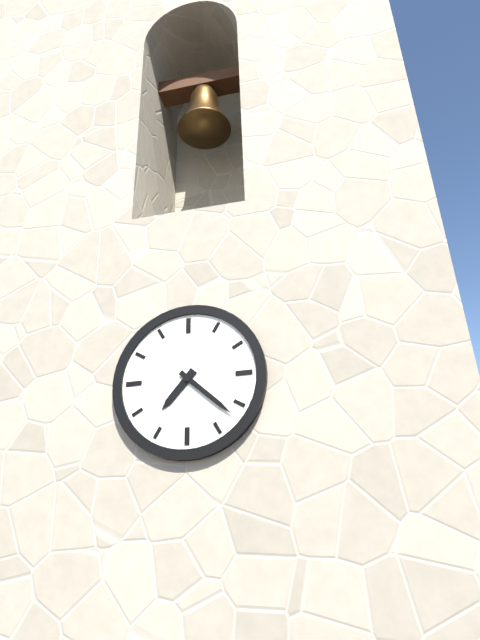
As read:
{"hour": 7, "minute": 22}
